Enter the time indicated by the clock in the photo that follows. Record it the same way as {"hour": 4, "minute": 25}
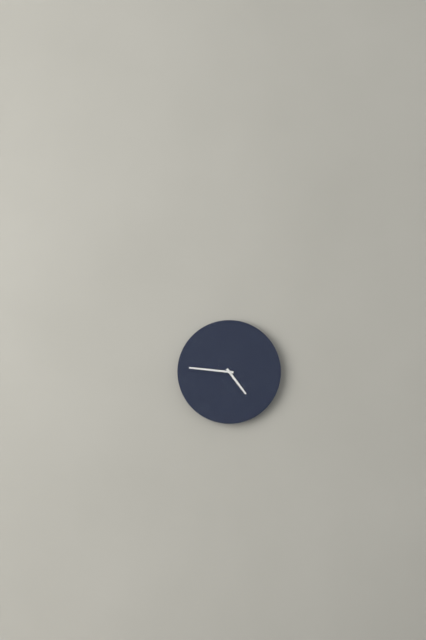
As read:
{"hour": 4, "minute": 46}
